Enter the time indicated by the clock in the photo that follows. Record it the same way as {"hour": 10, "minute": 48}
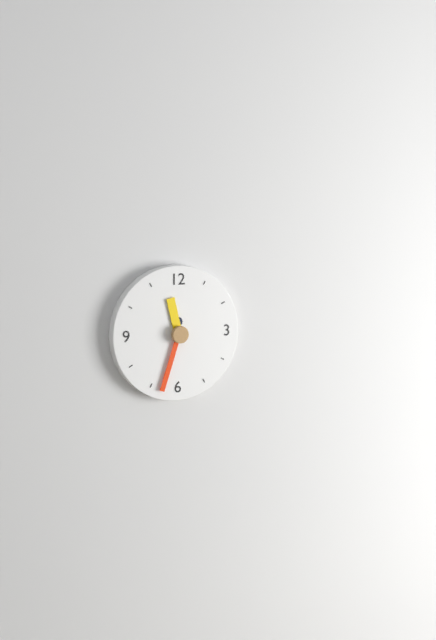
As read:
{"hour": 11, "minute": 33}
